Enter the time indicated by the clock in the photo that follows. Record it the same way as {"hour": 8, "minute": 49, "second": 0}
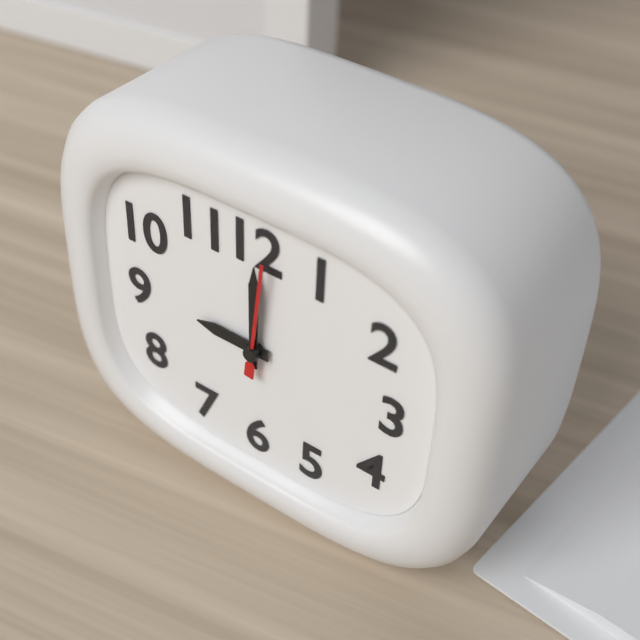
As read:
{"hour": 9, "minute": 0, "second": 1}
